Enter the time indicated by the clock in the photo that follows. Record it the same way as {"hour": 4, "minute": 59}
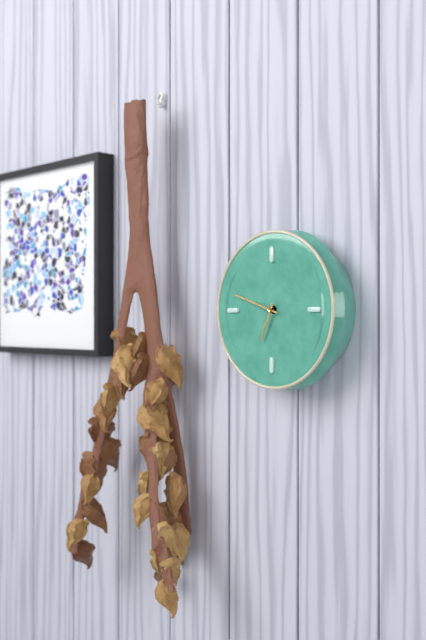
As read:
{"hour": 6, "minute": 48}
